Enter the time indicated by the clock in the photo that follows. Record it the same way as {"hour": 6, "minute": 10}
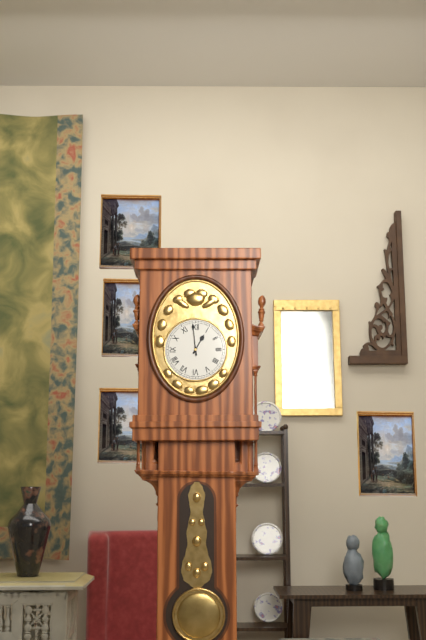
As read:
{"hour": 12, "minute": 59}
